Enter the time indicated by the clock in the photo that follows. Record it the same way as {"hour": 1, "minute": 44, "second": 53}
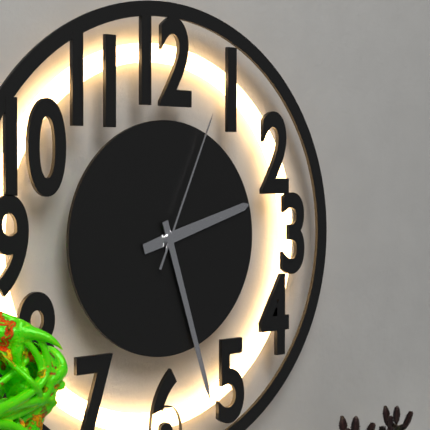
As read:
{"hour": 2, "minute": 27, "second": 4}
